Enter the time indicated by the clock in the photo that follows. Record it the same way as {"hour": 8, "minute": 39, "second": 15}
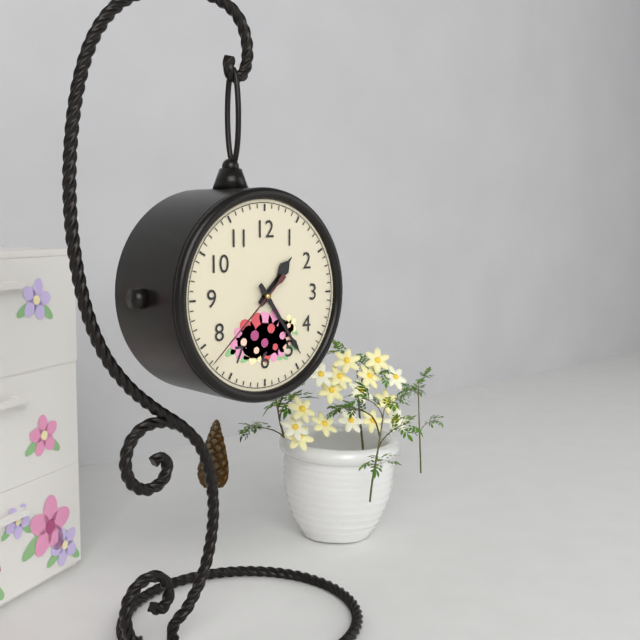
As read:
{"hour": 1, "minute": 24, "second": 38}
